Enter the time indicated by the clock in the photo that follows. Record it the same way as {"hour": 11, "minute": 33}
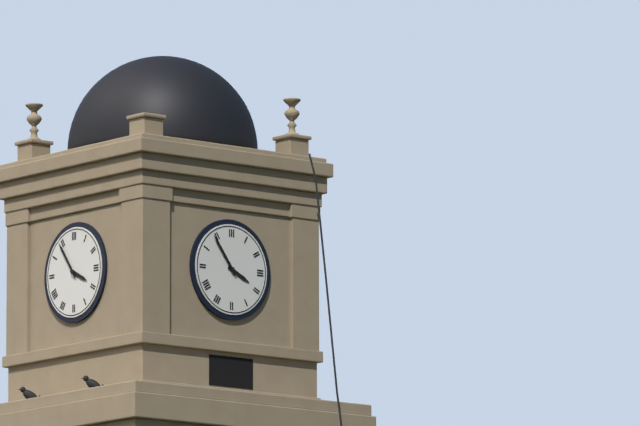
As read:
{"hour": 3, "minute": 54}
